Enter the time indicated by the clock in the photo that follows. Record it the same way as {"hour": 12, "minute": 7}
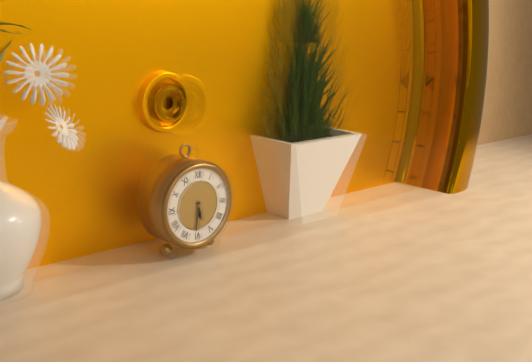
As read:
{"hour": 5, "minute": 31}
